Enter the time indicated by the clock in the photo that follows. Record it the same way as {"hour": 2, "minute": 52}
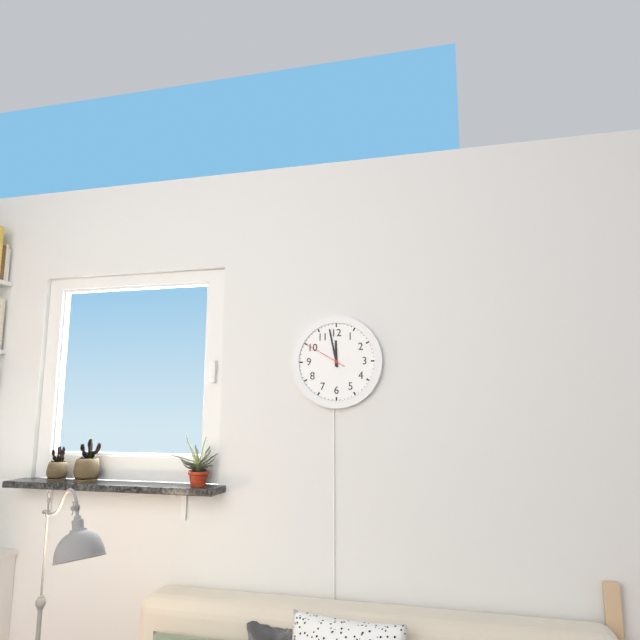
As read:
{"hour": 11, "minute": 58}
